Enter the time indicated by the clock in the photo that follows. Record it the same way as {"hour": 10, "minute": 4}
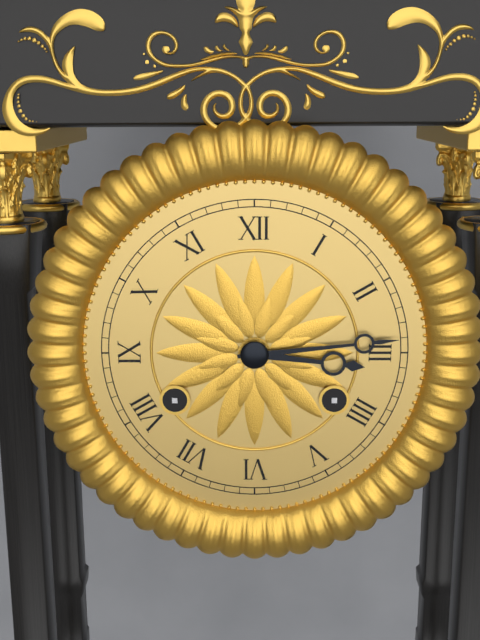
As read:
{"hour": 3, "minute": 14}
